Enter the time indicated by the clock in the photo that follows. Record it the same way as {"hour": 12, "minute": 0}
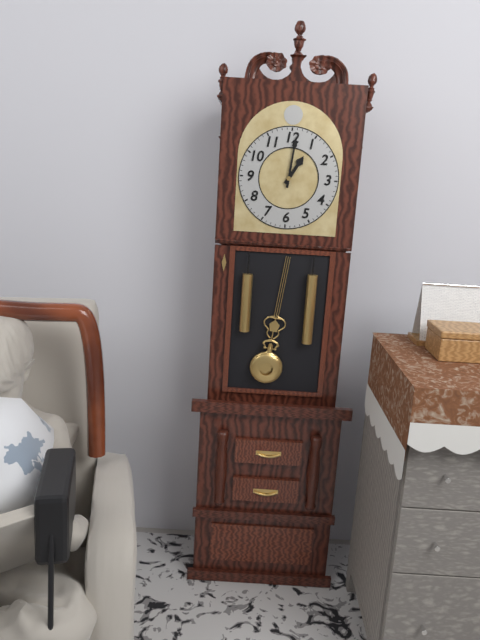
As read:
{"hour": 1, "minute": 1}
